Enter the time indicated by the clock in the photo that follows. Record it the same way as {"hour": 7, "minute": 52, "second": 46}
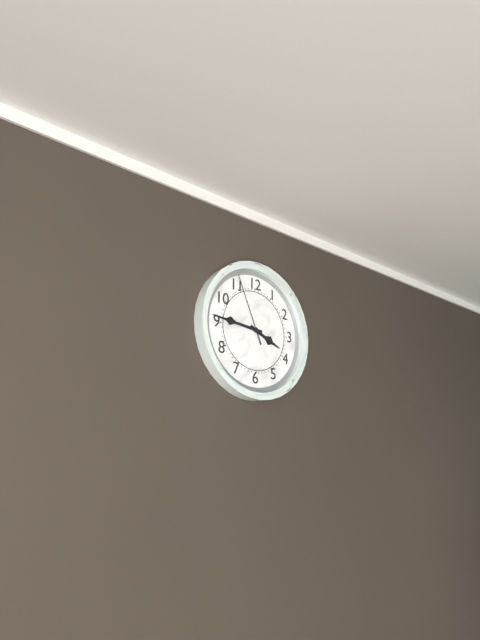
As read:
{"hour": 3, "minute": 46, "second": 56}
